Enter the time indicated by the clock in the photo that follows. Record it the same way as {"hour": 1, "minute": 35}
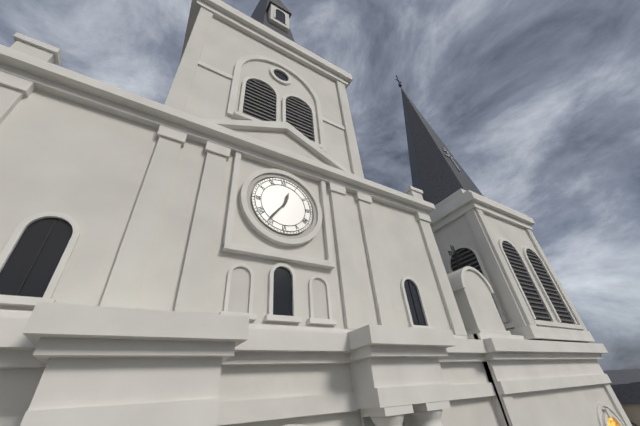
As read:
{"hour": 12, "minute": 36}
